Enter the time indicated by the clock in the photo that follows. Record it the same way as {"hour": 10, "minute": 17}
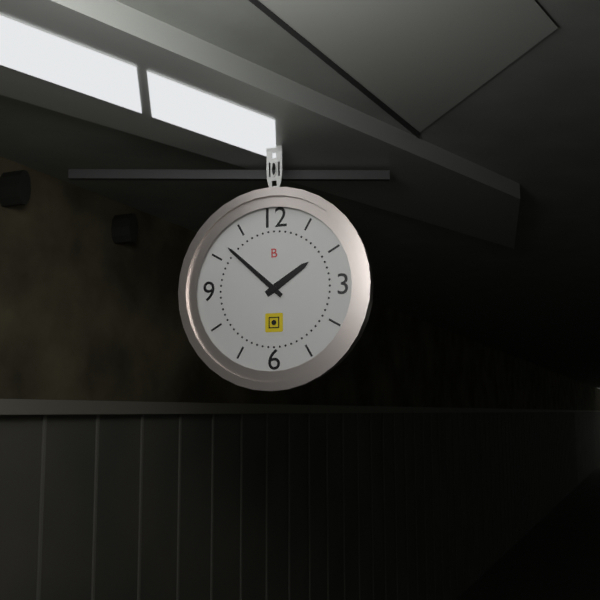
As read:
{"hour": 1, "minute": 52}
